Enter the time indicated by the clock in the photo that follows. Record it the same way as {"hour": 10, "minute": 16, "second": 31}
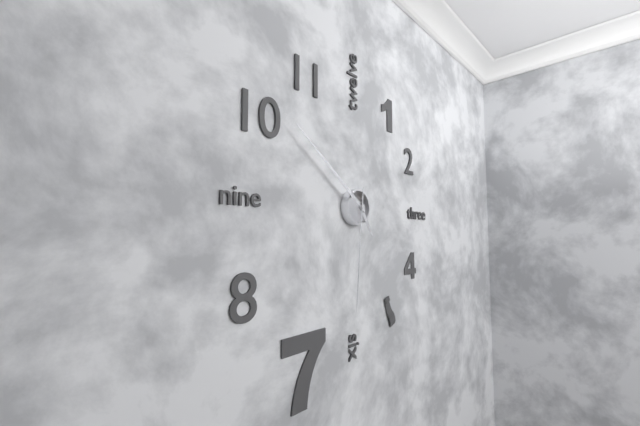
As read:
{"hour": 4, "minute": 51, "second": 31}
